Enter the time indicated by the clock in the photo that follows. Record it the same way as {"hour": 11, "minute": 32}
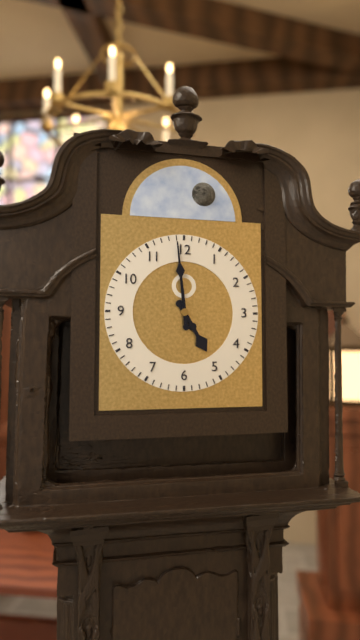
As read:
{"hour": 4, "minute": 59}
